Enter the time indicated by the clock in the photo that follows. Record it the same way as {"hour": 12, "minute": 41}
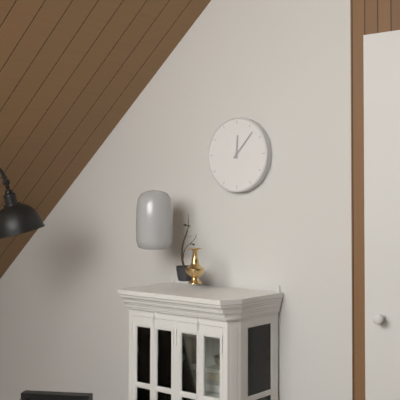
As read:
{"hour": 12, "minute": 7}
